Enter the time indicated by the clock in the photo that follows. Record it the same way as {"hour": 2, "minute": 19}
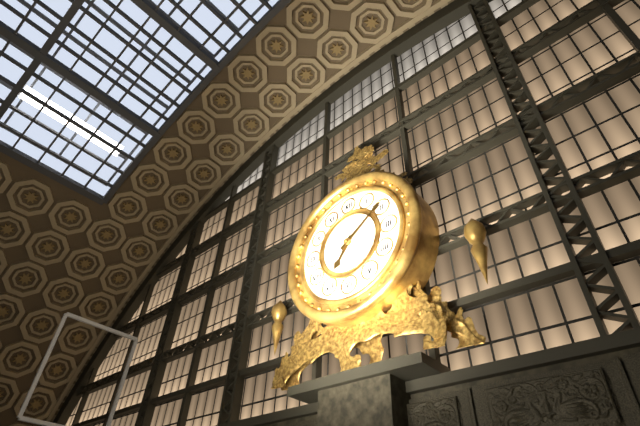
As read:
{"hour": 7, "minute": 9}
